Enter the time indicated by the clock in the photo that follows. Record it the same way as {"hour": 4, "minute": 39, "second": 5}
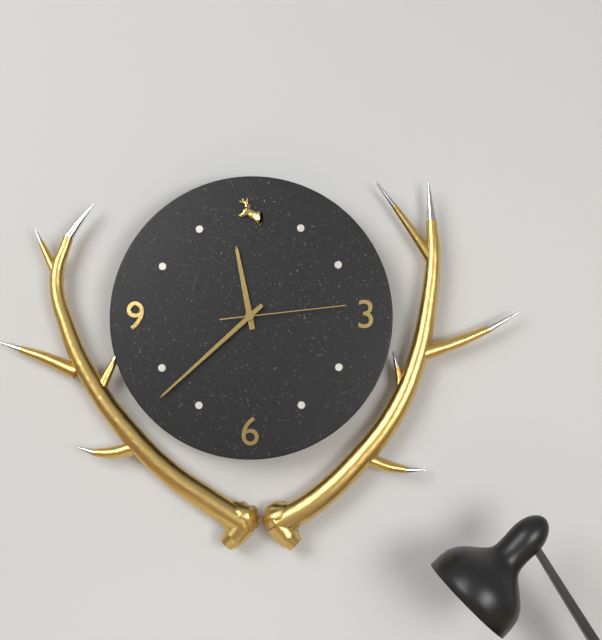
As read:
{"hour": 11, "minute": 38, "second": 14}
